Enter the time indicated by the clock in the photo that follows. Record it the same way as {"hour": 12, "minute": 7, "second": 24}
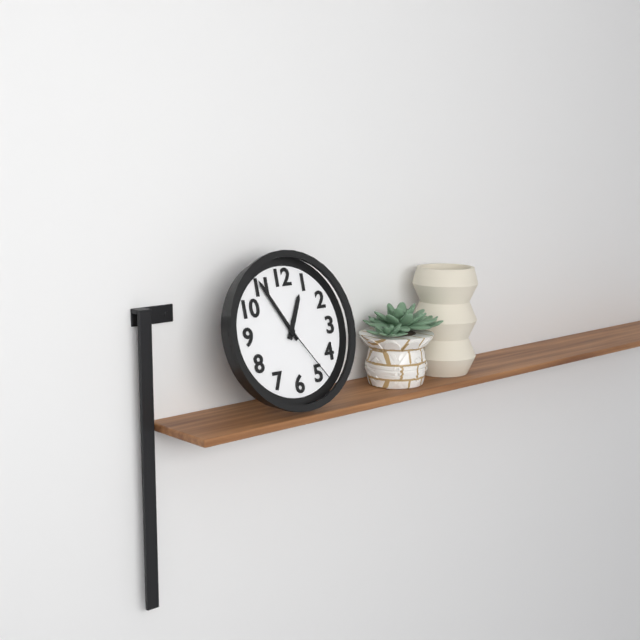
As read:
{"hour": 12, "minute": 55, "second": 24}
